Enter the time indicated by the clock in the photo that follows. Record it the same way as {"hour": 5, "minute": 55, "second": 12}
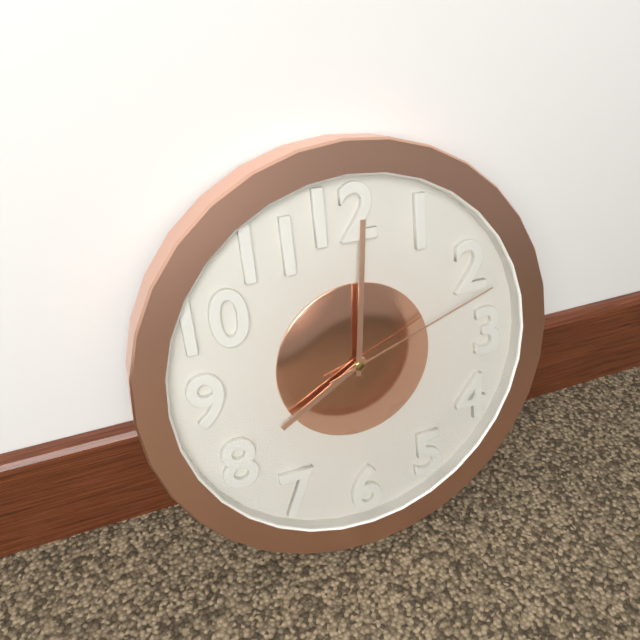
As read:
{"hour": 8, "minute": 1, "second": 12}
